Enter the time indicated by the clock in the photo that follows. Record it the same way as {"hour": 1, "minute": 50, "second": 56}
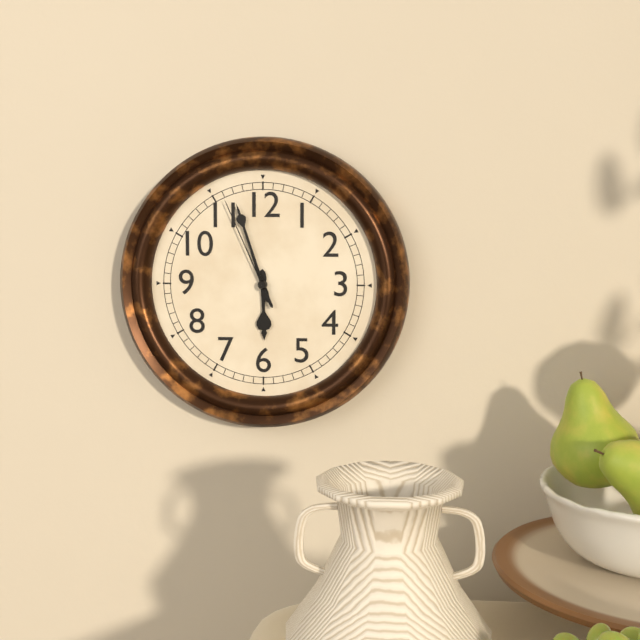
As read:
{"hour": 5, "minute": 57, "second": 56}
